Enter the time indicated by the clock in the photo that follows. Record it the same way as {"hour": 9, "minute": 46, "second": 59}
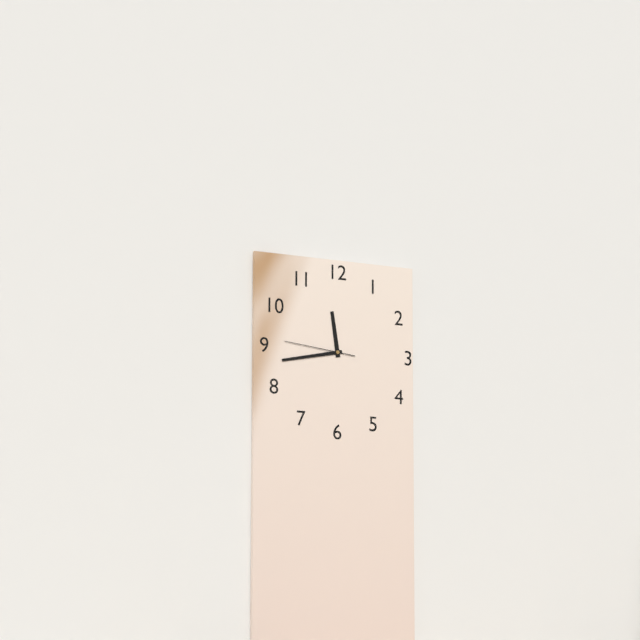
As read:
{"hour": 11, "minute": 43, "second": 46}
